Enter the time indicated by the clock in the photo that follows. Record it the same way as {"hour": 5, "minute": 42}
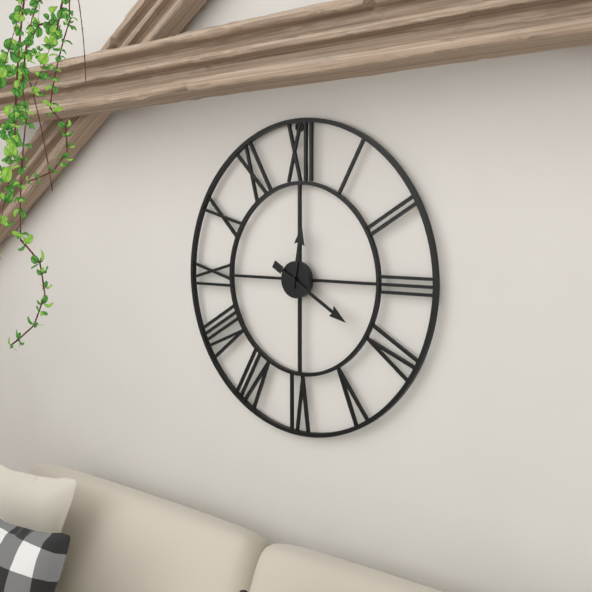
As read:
{"hour": 12, "minute": 20}
